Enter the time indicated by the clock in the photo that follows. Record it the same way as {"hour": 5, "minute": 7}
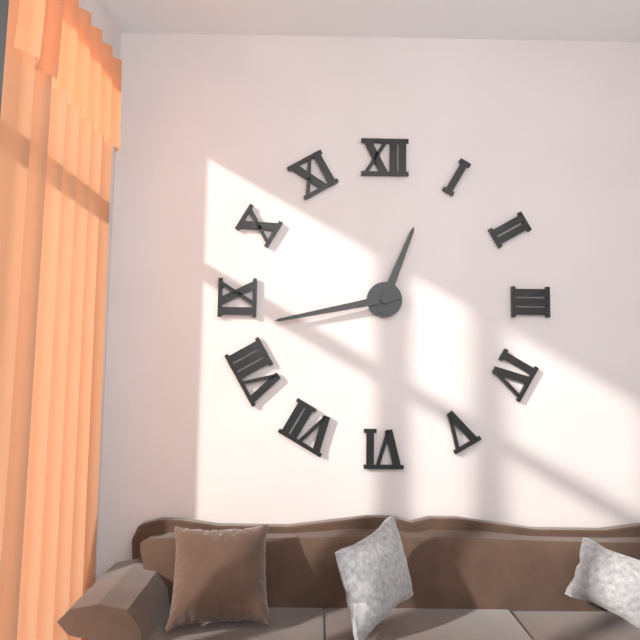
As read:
{"hour": 12, "minute": 43}
